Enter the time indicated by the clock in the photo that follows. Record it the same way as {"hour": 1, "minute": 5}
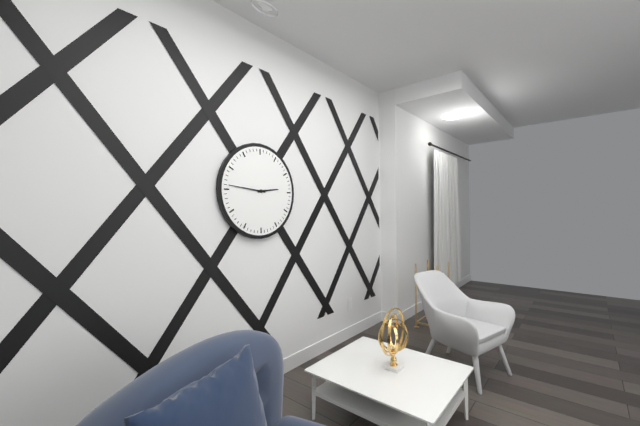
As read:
{"hour": 2, "minute": 46}
